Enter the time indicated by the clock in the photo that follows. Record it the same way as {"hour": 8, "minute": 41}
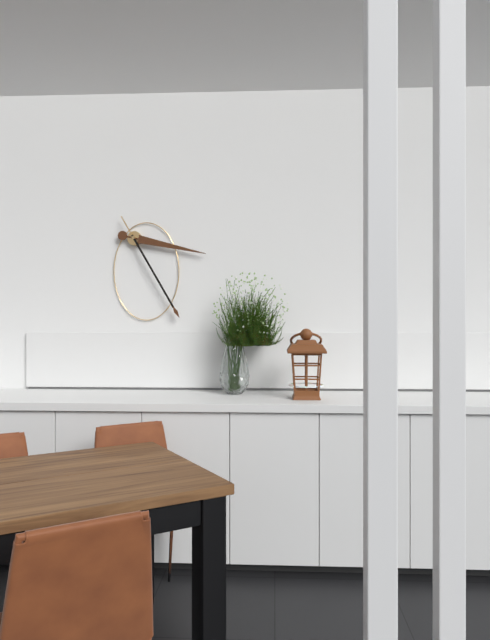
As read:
{"hour": 3, "minute": 25}
